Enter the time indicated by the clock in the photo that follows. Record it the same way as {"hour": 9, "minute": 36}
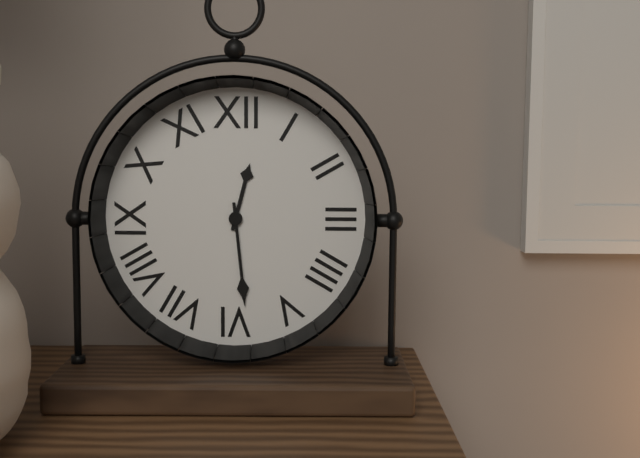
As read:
{"hour": 12, "minute": 29}
